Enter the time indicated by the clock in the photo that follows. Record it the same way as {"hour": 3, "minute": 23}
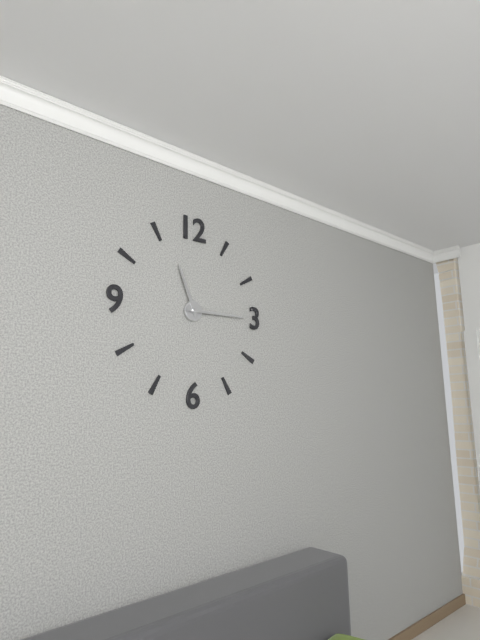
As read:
{"hour": 11, "minute": 15}
